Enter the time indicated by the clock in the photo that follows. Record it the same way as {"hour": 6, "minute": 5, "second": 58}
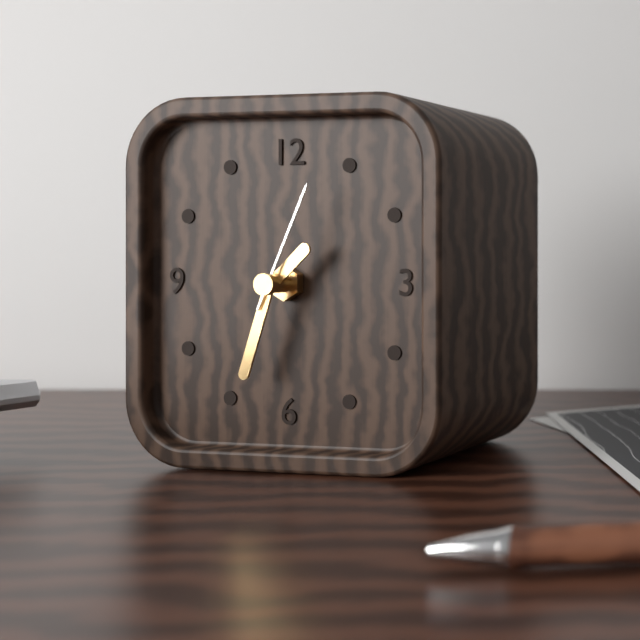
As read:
{"hour": 1, "minute": 33, "second": 4}
